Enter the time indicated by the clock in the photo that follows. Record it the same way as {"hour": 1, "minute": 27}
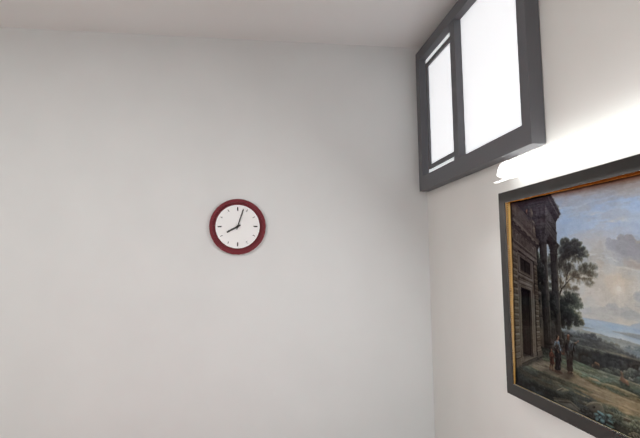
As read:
{"hour": 8, "minute": 3}
